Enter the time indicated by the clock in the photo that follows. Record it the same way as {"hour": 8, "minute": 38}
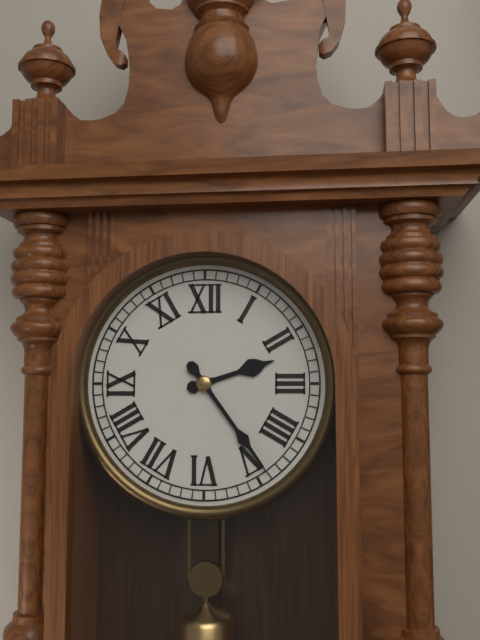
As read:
{"hour": 2, "minute": 24}
